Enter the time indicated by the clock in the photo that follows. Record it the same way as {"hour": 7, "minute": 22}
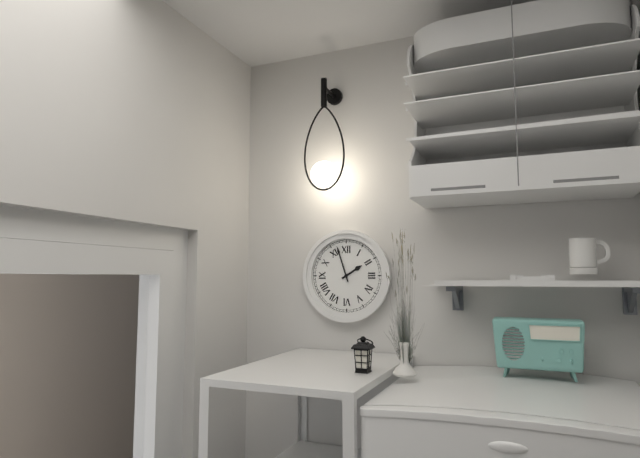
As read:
{"hour": 1, "minute": 57}
